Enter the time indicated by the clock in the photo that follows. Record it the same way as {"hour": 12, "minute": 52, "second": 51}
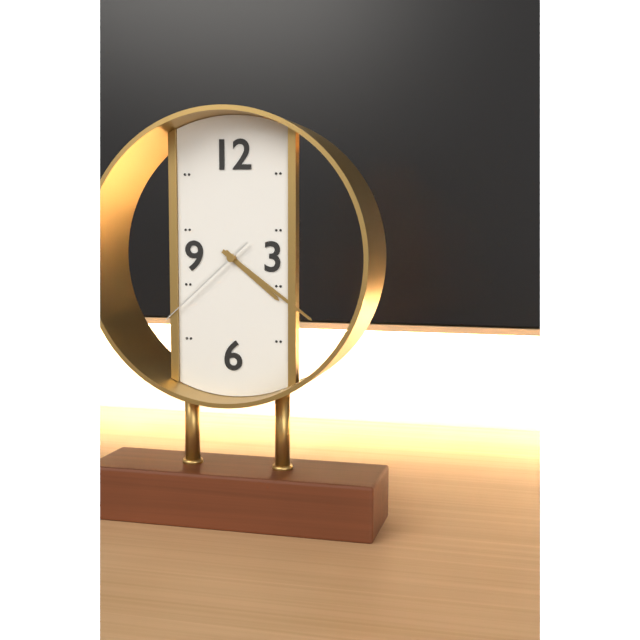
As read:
{"hour": 4, "minute": 21, "second": 38}
